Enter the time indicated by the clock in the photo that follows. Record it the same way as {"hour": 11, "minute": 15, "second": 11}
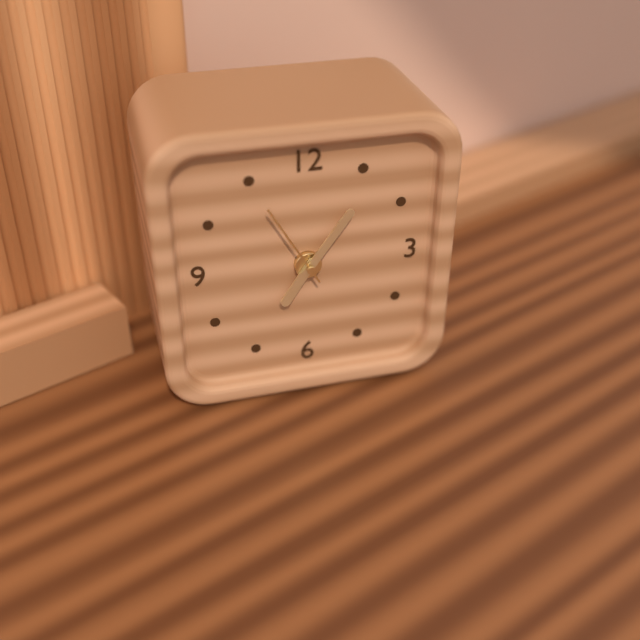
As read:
{"hour": 7, "minute": 6, "second": 55}
